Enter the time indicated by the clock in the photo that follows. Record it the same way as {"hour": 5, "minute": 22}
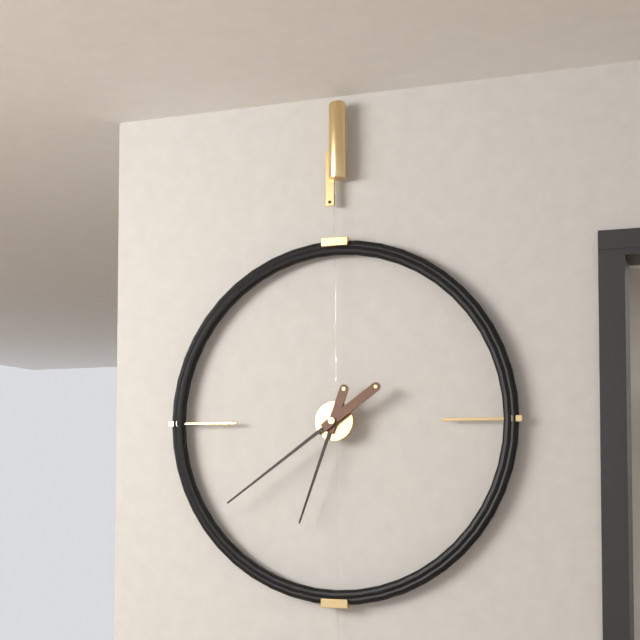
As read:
{"hour": 6, "minute": 39}
